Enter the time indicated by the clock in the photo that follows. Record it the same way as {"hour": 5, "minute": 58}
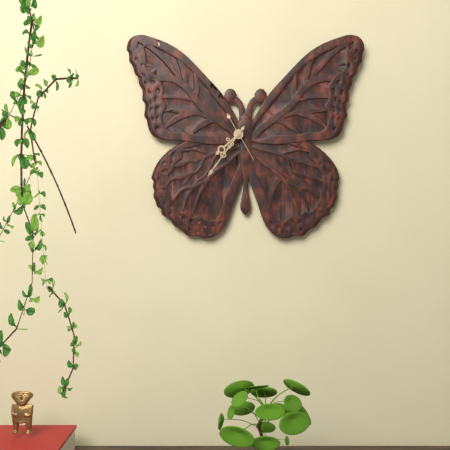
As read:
{"hour": 7, "minute": 36}
